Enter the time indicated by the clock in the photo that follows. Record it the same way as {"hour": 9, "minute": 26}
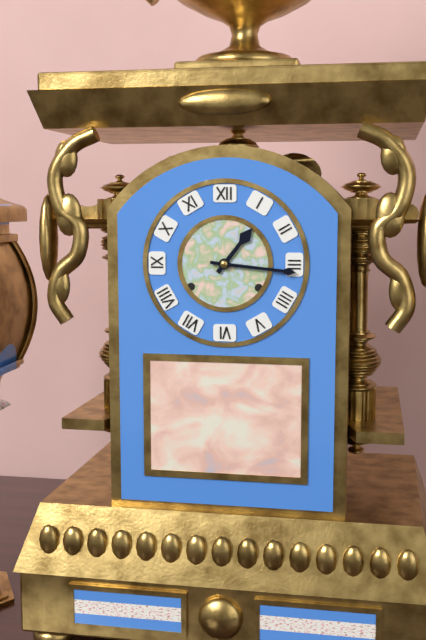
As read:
{"hour": 1, "minute": 16}
